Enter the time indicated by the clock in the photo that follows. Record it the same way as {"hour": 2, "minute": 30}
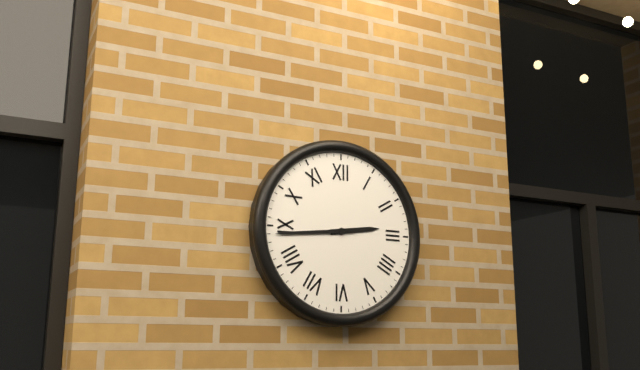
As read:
{"hour": 2, "minute": 44}
